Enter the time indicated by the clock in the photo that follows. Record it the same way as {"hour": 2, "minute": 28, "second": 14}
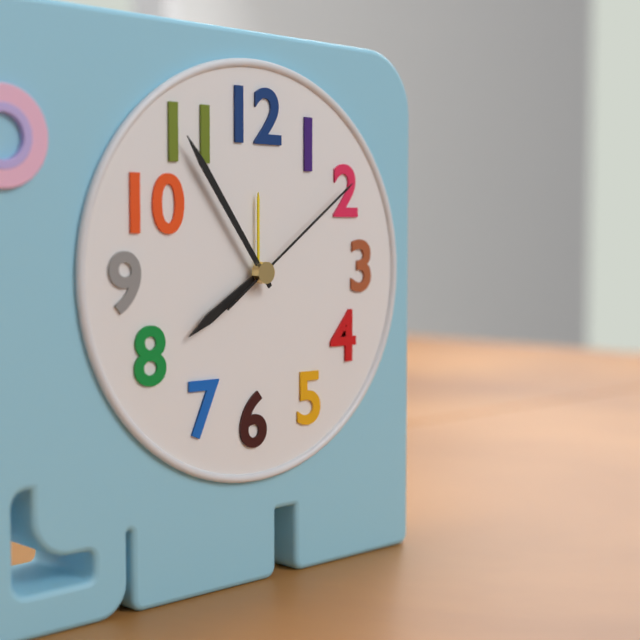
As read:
{"hour": 7, "minute": 54, "second": 9}
